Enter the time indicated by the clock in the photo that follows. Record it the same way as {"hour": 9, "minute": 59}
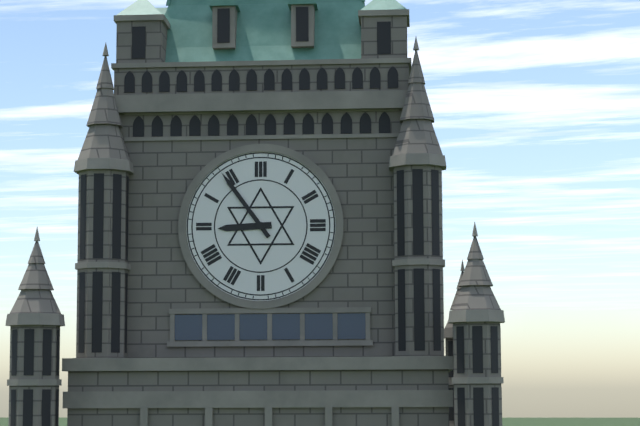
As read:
{"hour": 8, "minute": 54}
